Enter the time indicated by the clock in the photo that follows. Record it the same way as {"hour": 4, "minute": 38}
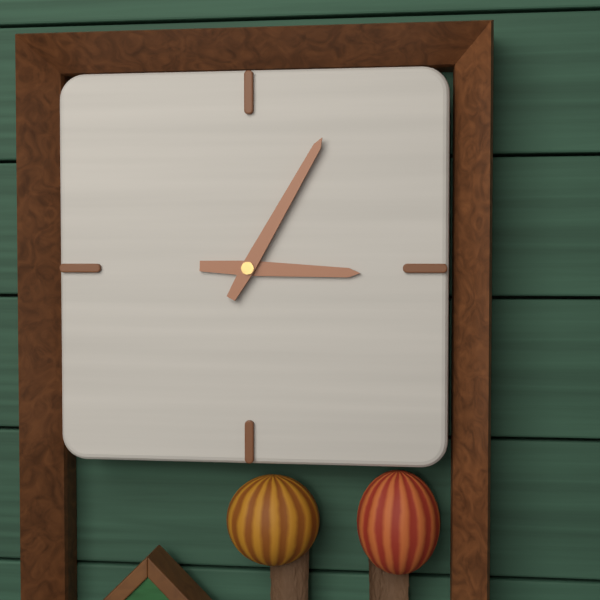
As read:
{"hour": 3, "minute": 5}
